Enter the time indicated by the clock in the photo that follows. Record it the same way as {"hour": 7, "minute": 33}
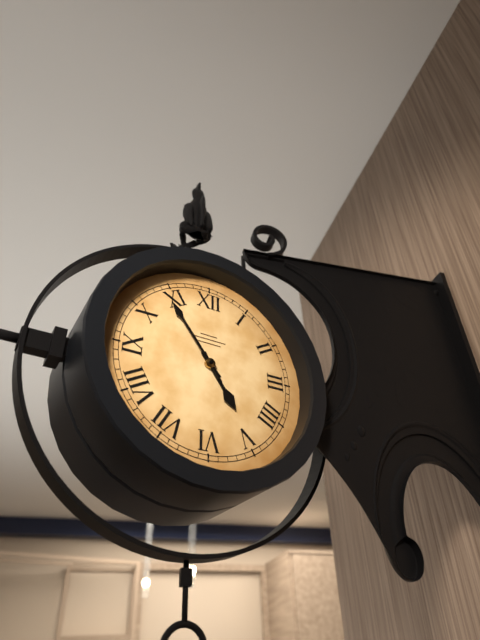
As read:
{"hour": 4, "minute": 54}
